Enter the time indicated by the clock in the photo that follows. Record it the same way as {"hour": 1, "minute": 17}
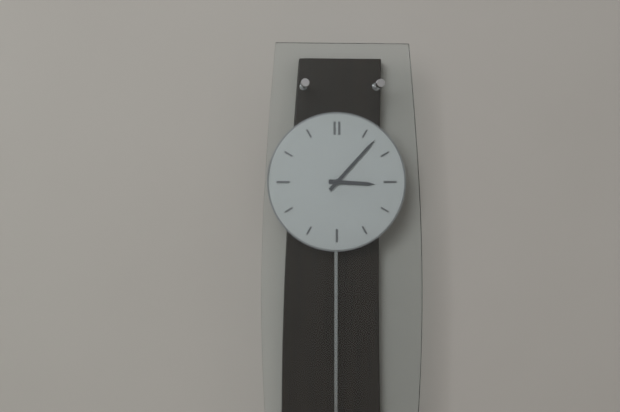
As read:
{"hour": 3, "minute": 7}
